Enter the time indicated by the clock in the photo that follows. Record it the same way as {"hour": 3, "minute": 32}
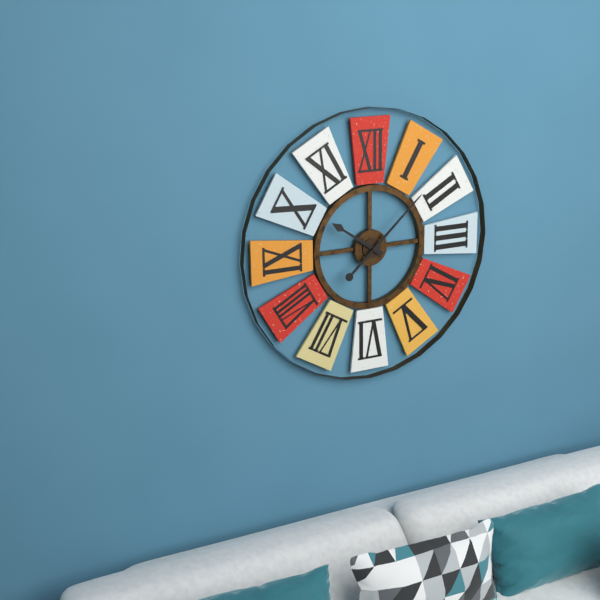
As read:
{"hour": 10, "minute": 8}
